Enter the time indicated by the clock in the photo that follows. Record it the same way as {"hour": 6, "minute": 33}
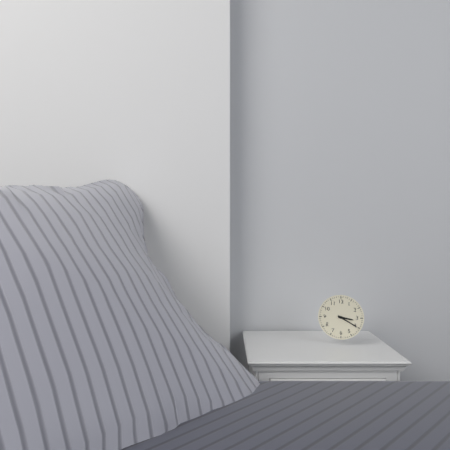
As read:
{"hour": 3, "minute": 20}
